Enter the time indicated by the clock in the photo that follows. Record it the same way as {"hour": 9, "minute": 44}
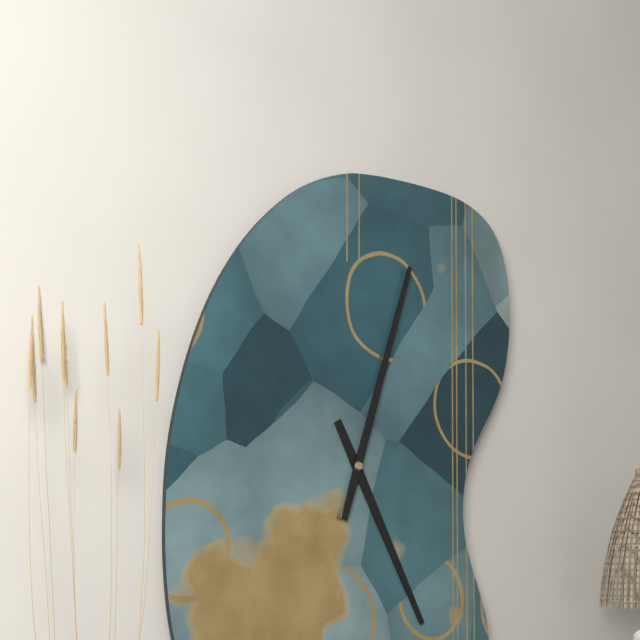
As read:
{"hour": 5, "minute": 3}
